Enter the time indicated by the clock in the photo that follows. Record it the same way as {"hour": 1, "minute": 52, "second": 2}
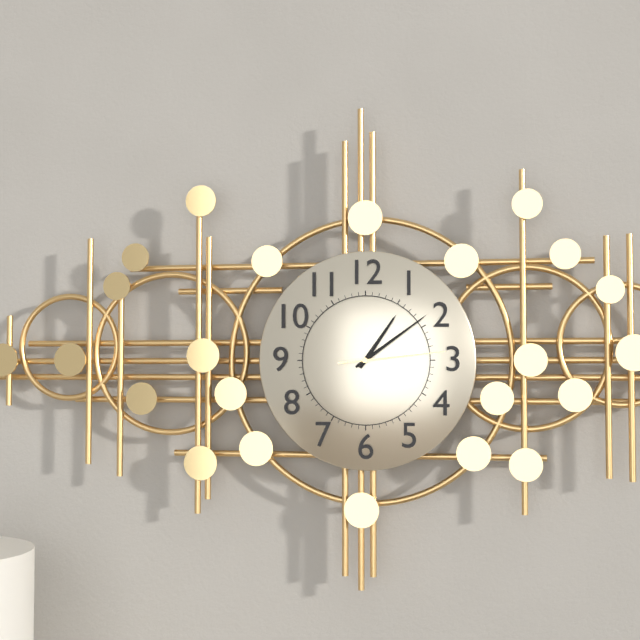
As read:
{"hour": 1, "minute": 9, "second": 14}
